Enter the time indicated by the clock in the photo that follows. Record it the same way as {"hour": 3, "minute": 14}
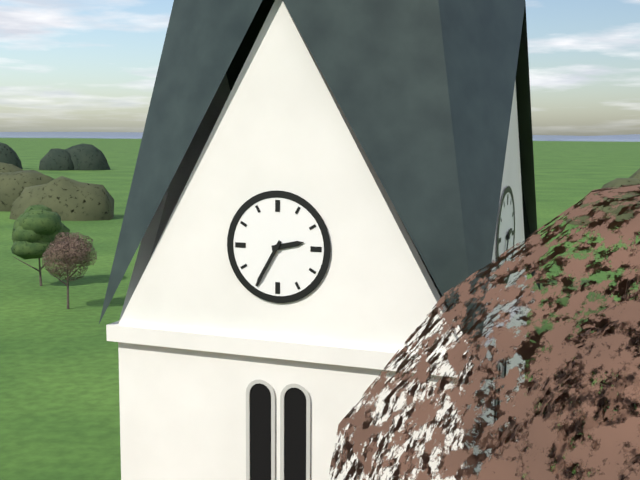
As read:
{"hour": 2, "minute": 35}
